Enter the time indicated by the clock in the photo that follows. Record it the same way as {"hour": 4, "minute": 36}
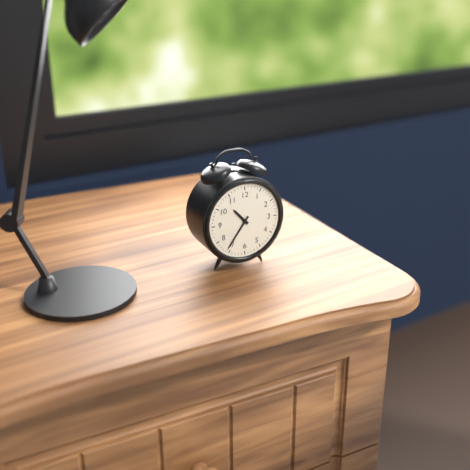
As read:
{"hour": 10, "minute": 36}
